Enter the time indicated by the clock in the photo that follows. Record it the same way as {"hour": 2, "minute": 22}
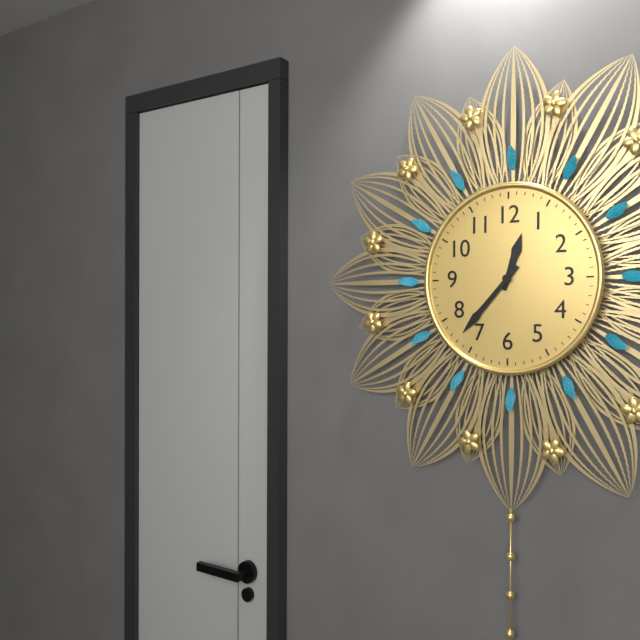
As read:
{"hour": 12, "minute": 37}
